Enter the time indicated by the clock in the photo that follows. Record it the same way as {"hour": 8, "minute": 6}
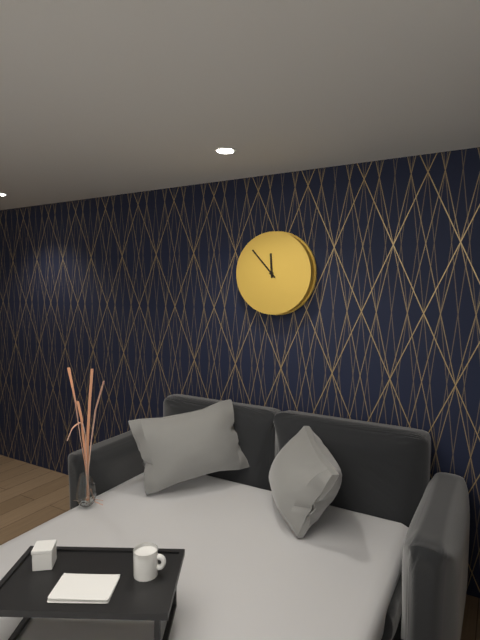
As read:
{"hour": 11, "minute": 53}
